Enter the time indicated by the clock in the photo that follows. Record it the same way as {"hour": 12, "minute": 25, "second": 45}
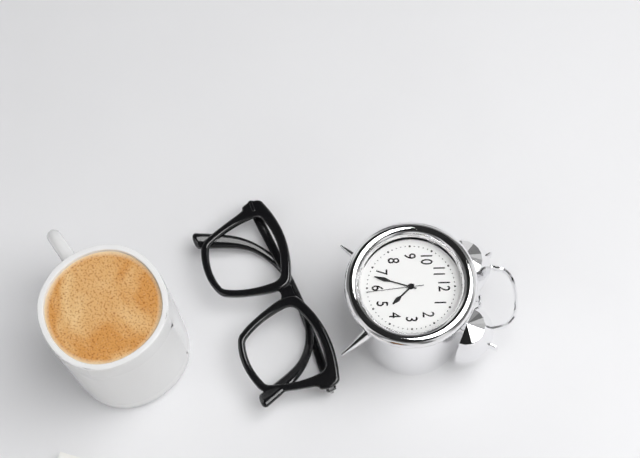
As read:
{"hour": 4, "minute": 33, "second": 29}
